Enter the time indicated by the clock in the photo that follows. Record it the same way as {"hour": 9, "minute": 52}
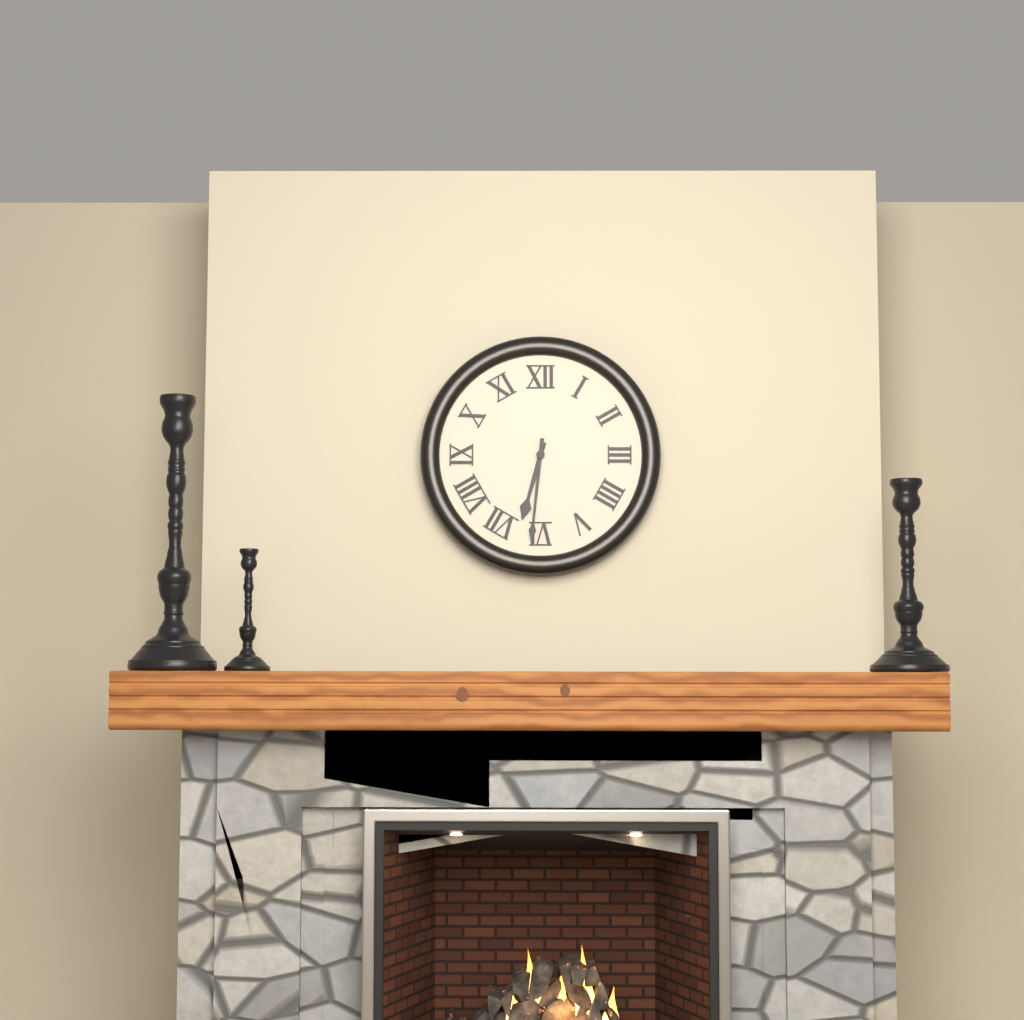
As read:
{"hour": 6, "minute": 31}
